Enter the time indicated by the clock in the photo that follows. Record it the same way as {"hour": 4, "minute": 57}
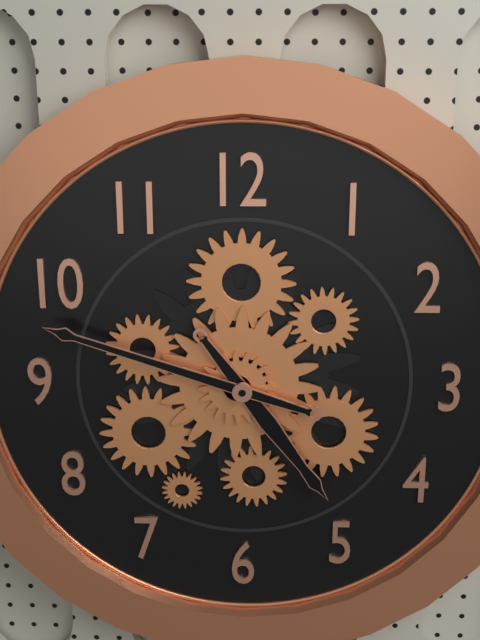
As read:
{"hour": 4, "minute": 48}
